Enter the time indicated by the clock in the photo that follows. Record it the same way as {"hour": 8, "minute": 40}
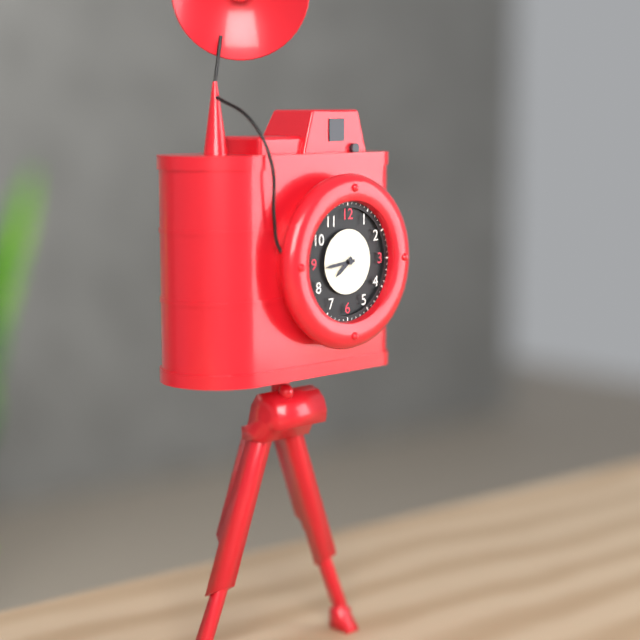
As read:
{"hour": 7, "minute": 44}
